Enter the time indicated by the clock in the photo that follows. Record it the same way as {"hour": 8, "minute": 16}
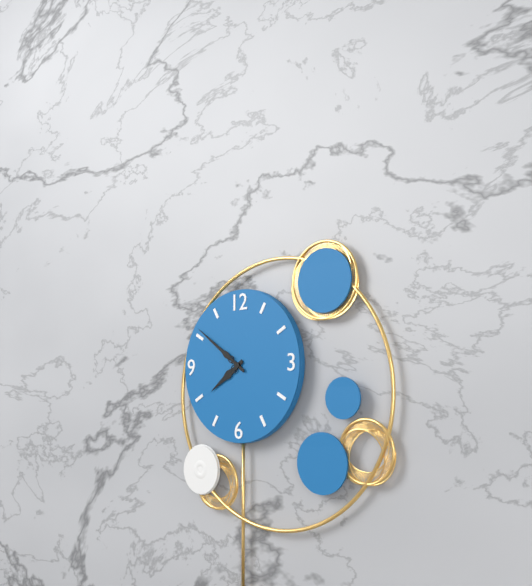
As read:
{"hour": 7, "minute": 51}
